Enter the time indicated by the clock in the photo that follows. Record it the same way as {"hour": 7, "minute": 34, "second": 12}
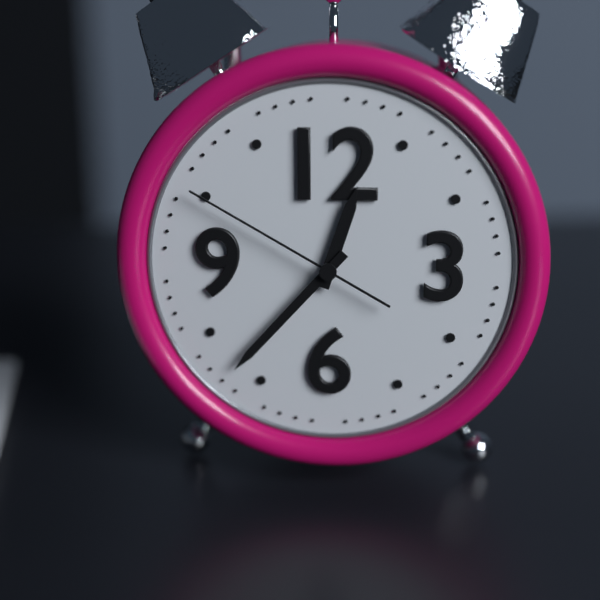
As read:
{"hour": 12, "minute": 37, "second": 50}
